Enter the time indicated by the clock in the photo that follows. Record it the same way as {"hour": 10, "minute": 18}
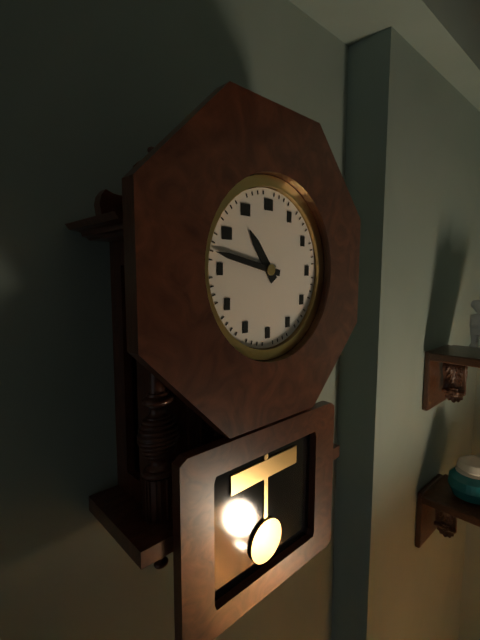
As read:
{"hour": 10, "minute": 47}
